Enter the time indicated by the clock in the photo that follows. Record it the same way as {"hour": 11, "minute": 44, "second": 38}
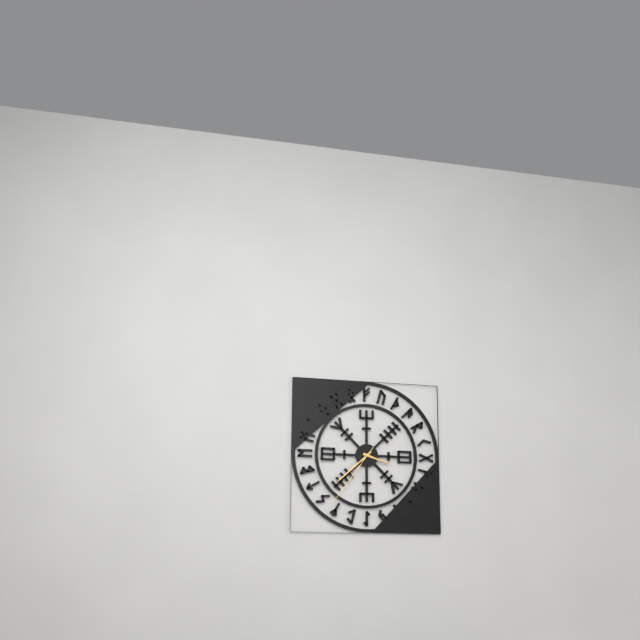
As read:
{"hour": 3, "minute": 38, "second": 36}
